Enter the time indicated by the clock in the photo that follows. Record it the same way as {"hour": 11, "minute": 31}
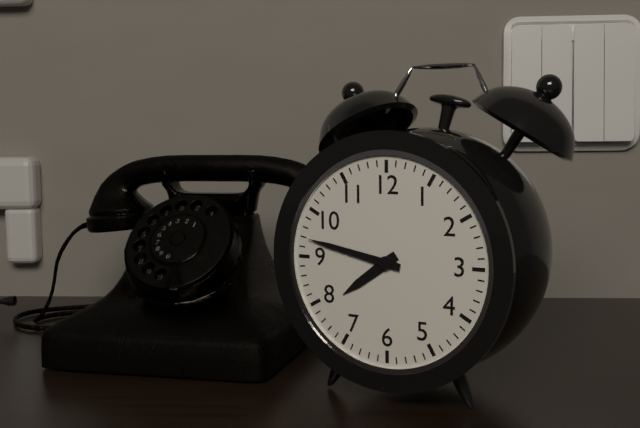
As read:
{"hour": 7, "minute": 47}
